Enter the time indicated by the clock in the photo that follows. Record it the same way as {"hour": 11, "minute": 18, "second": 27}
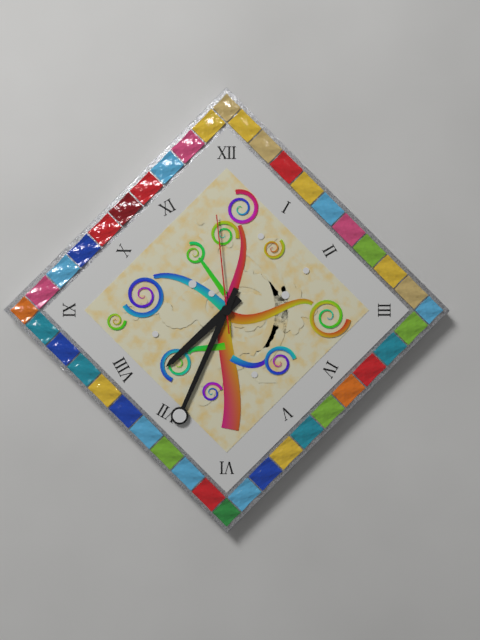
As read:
{"hour": 7, "minute": 34, "second": 59}
